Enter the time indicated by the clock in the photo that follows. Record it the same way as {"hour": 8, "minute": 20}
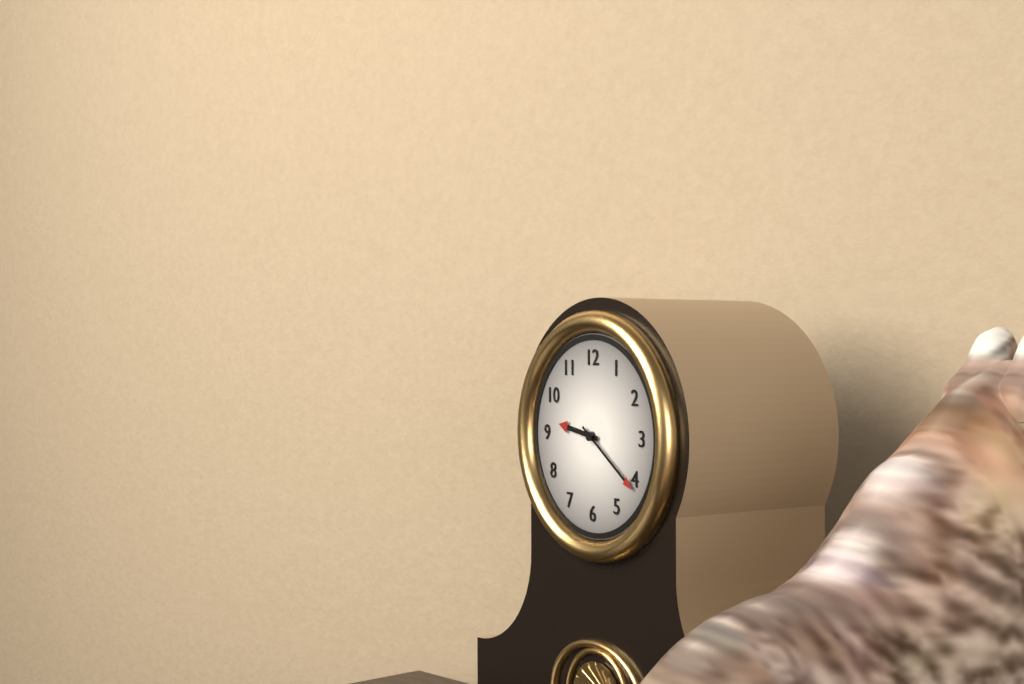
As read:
{"hour": 9, "minute": 21}
